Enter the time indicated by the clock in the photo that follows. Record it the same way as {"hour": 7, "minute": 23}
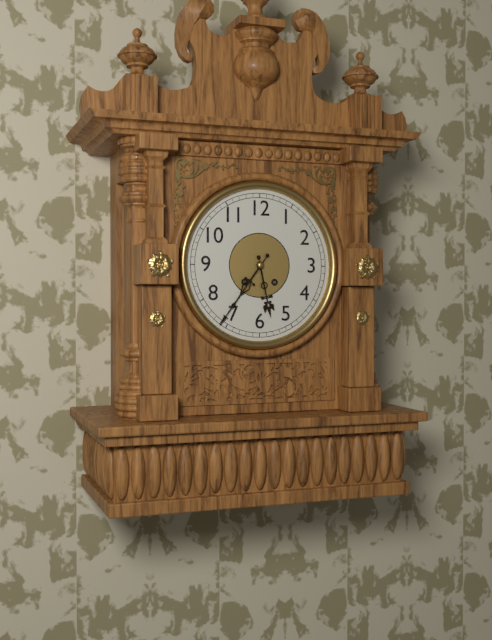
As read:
{"hour": 5, "minute": 36}
